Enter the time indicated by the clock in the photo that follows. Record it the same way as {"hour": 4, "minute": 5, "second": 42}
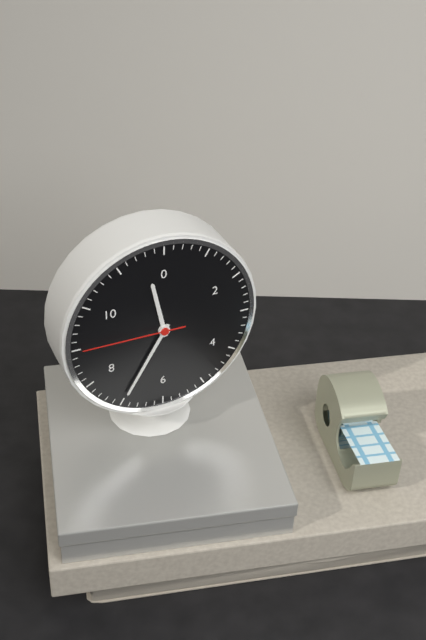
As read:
{"hour": 11, "minute": 35, "second": 45}
